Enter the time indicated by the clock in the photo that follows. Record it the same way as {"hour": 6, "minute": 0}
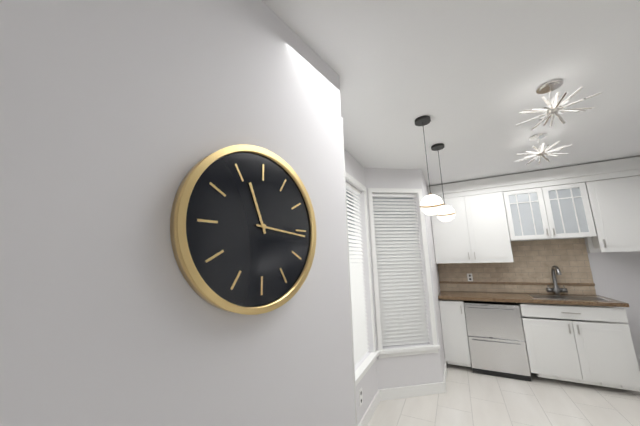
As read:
{"hour": 11, "minute": 16}
